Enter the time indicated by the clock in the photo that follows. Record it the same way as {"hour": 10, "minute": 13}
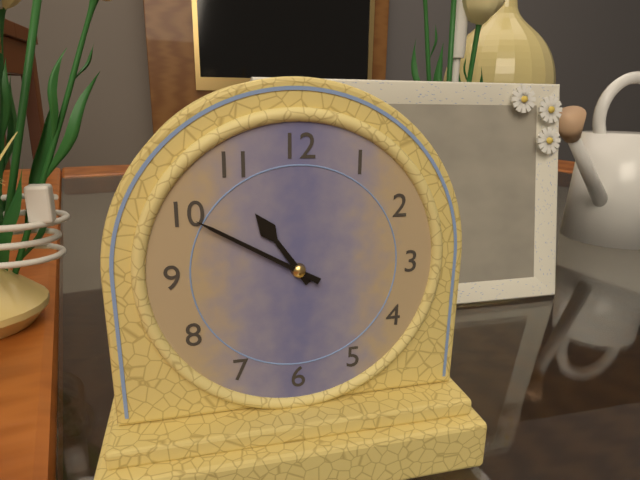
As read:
{"hour": 10, "minute": 50}
